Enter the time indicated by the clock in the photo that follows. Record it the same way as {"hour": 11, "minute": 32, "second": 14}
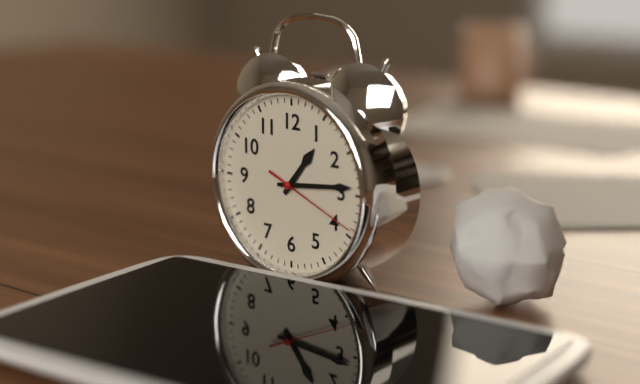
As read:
{"hour": 1, "minute": 14, "second": 19}
